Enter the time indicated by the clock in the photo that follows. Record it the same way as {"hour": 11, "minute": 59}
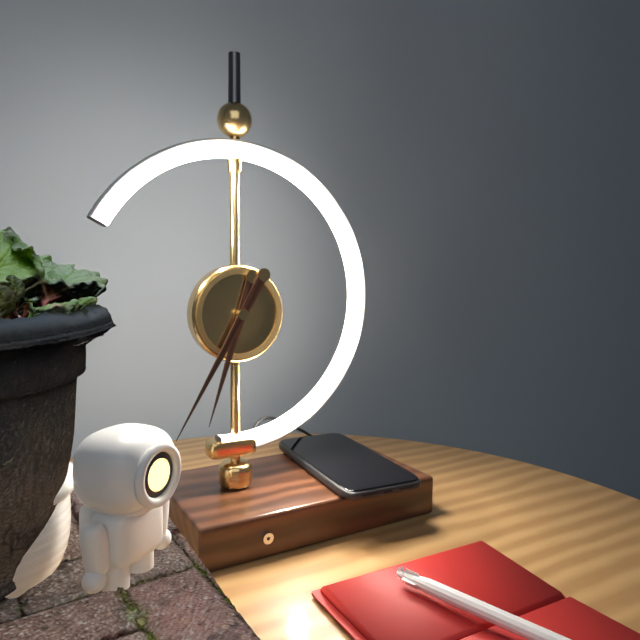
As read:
{"hour": 6, "minute": 35}
